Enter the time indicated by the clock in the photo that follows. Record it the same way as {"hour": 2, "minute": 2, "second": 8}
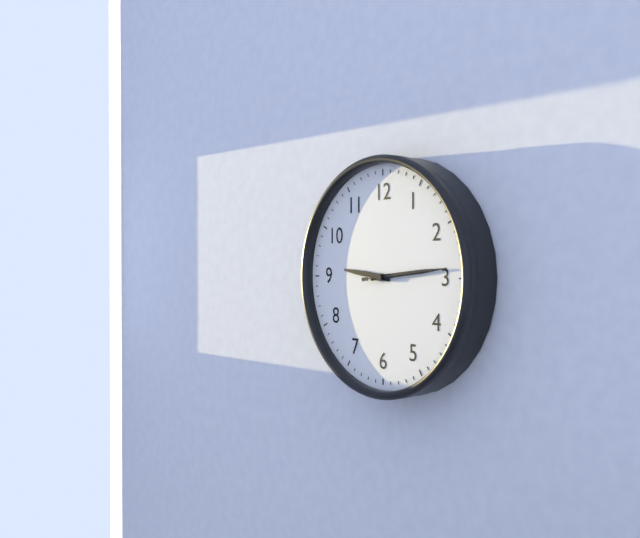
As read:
{"hour": 9, "minute": 14, "second": 14}
